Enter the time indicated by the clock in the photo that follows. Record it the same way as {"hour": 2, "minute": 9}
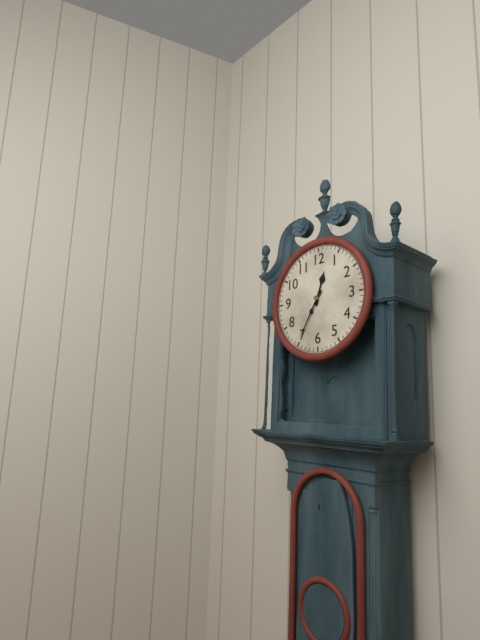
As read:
{"hour": 12, "minute": 35}
